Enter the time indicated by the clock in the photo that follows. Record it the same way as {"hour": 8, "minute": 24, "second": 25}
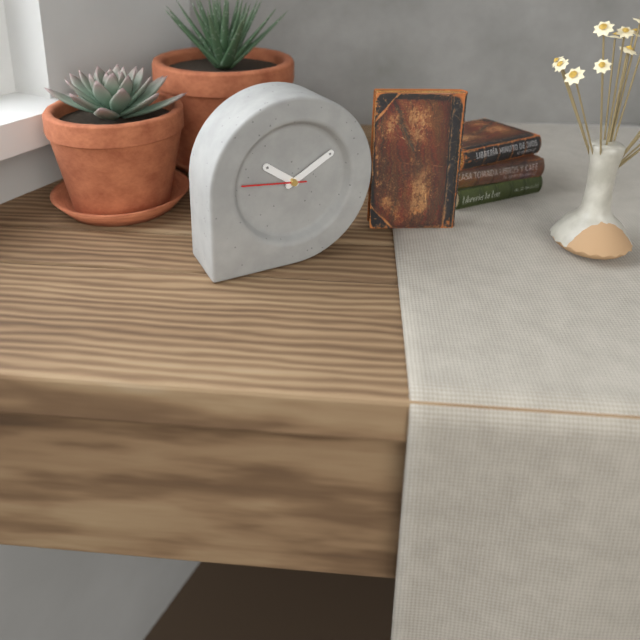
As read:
{"hour": 10, "minute": 10, "second": 46}
